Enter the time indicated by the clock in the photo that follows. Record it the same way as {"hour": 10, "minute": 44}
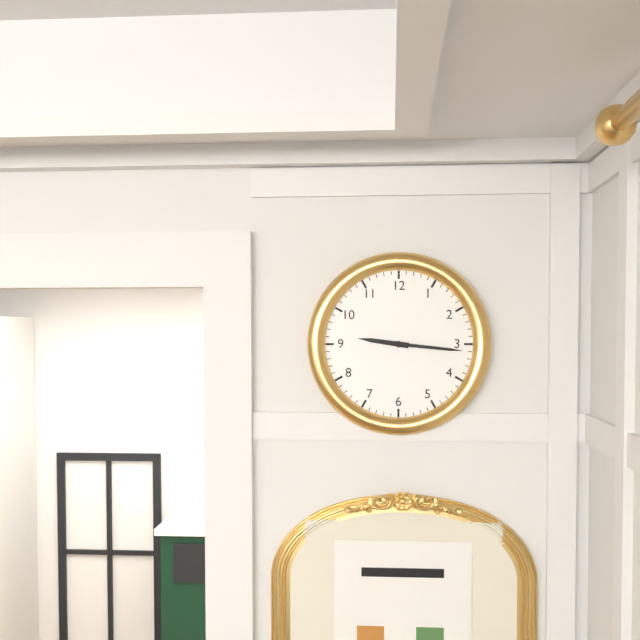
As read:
{"hour": 9, "minute": 16}
